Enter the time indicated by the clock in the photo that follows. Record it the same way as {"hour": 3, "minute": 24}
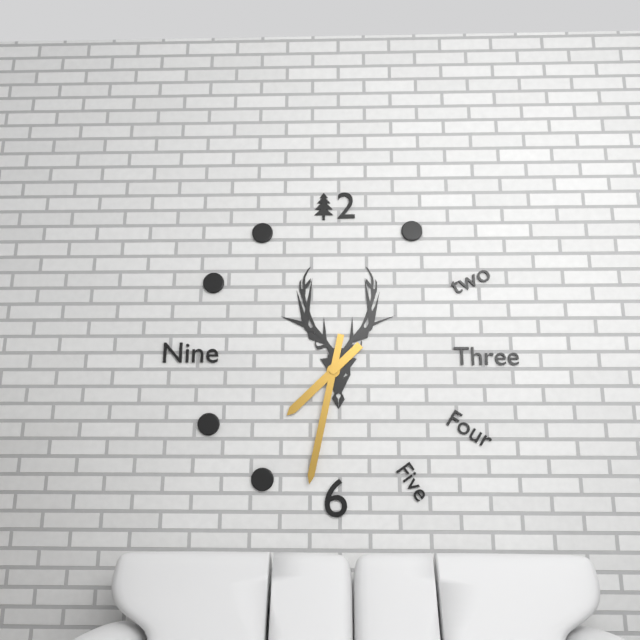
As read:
{"hour": 7, "minute": 32}
